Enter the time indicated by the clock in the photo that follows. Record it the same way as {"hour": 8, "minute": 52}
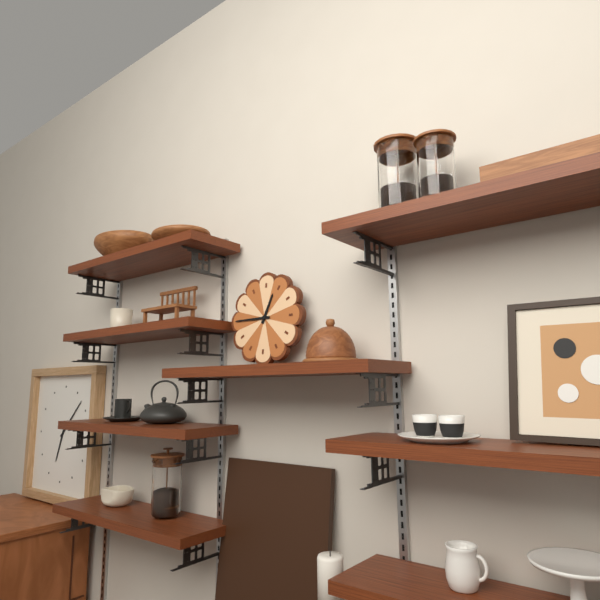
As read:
{"hour": 12, "minute": 45}
